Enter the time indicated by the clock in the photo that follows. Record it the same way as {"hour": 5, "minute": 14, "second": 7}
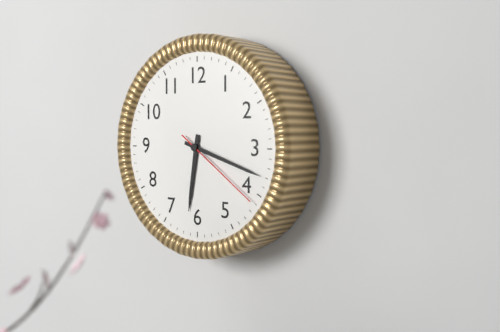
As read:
{"hour": 6, "minute": 18, "second": 21}
